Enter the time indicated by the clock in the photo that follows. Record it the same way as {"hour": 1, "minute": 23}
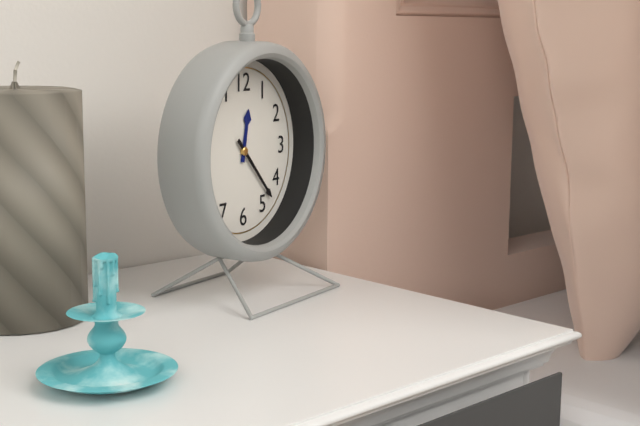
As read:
{"hour": 12, "minute": 23}
